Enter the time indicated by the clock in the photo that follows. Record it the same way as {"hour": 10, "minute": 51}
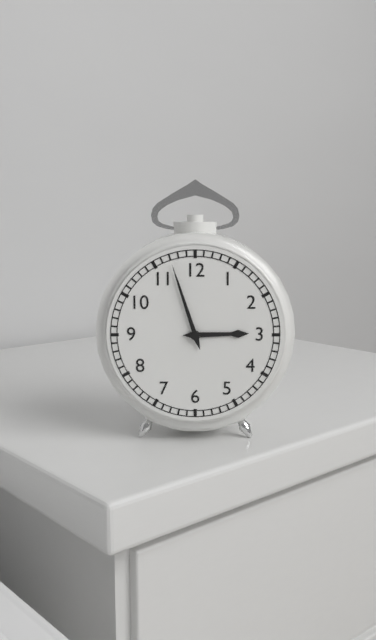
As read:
{"hour": 2, "minute": 57}
